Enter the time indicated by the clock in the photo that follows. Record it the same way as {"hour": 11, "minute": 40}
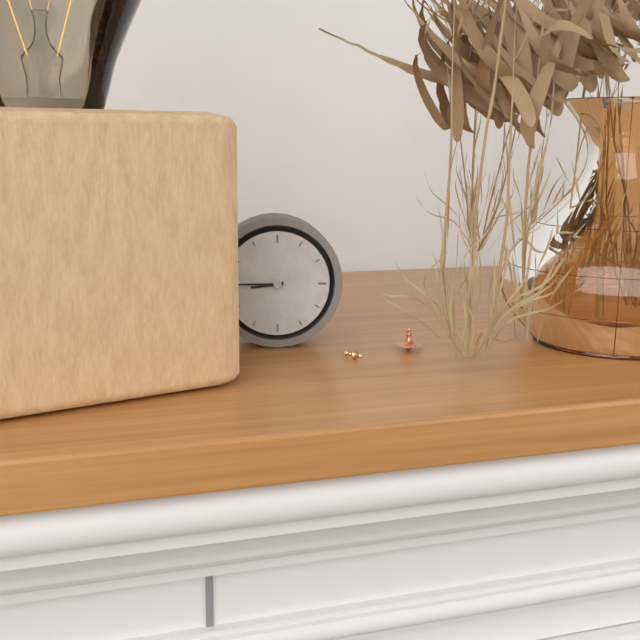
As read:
{"hour": 8, "minute": 45}
